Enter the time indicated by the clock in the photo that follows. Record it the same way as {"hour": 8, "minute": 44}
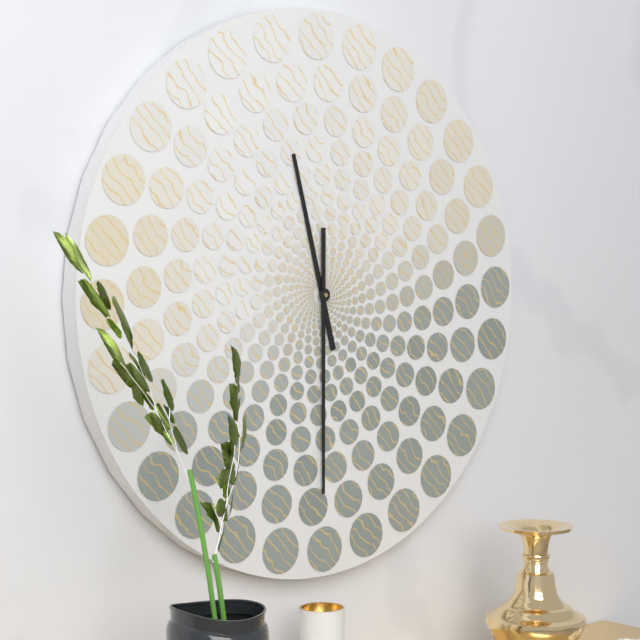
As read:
{"hour": 11, "minute": 30}
